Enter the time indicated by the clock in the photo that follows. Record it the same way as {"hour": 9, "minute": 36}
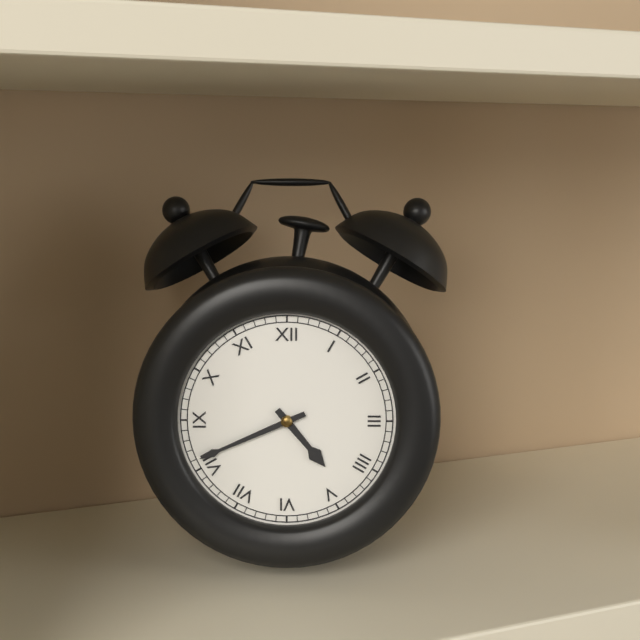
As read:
{"hour": 4, "minute": 41}
